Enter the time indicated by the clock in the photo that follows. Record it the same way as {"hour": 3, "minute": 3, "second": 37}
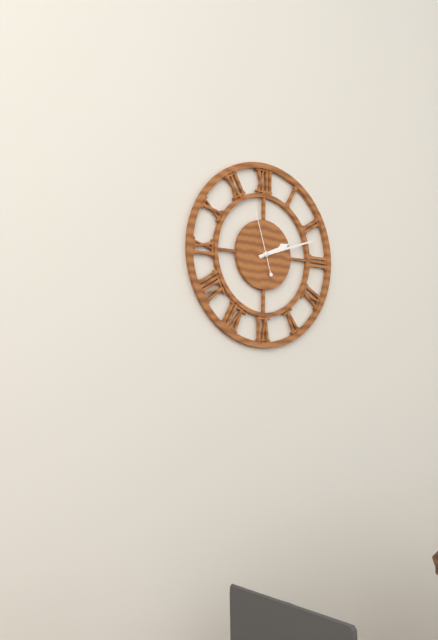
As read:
{"hour": 2, "minute": 12, "second": 57}
